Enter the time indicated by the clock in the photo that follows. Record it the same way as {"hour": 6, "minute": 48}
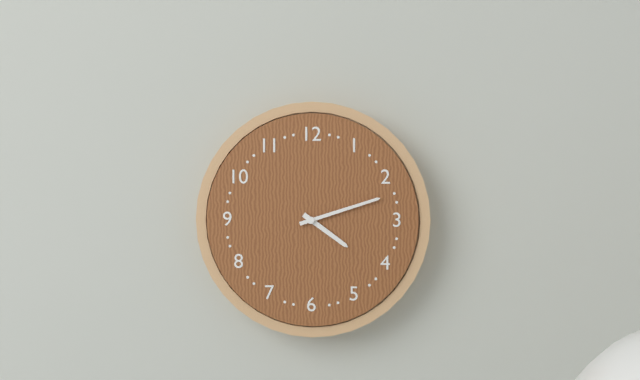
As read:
{"hour": 4, "minute": 12}
